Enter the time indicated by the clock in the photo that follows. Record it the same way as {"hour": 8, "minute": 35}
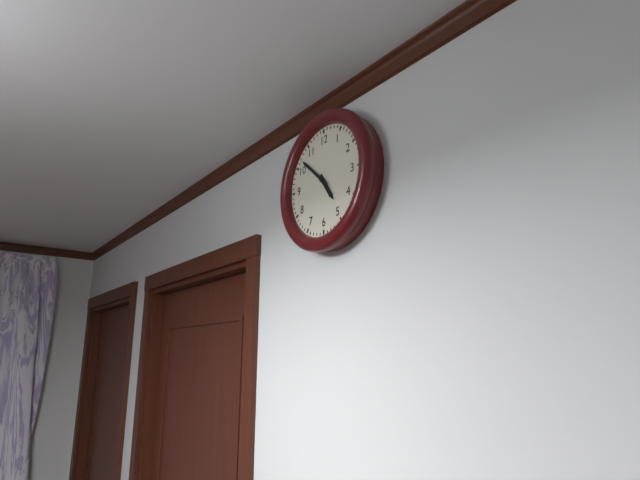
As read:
{"hour": 4, "minute": 52}
